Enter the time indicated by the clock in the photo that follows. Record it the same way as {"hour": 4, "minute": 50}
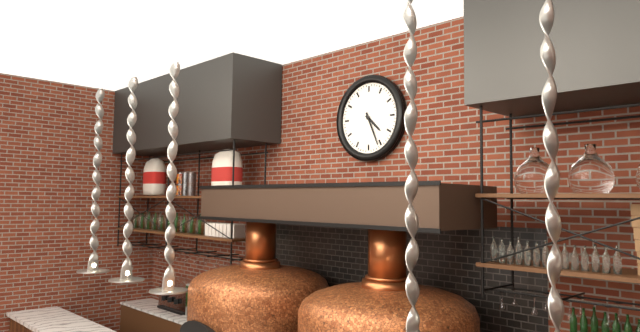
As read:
{"hour": 4, "minute": 26}
